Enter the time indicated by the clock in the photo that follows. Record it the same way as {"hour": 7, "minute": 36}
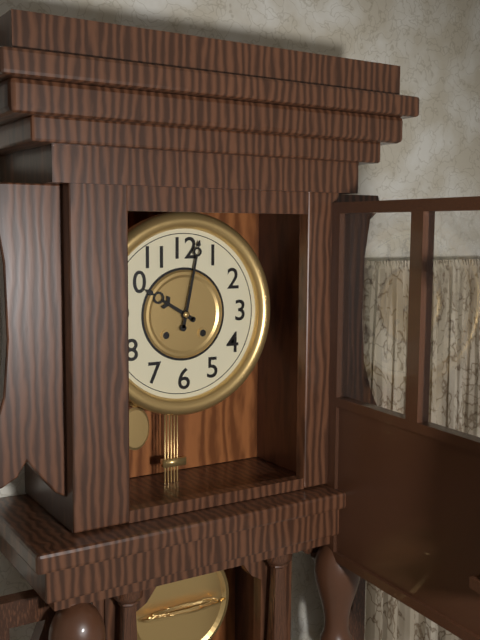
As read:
{"hour": 10, "minute": 2}
